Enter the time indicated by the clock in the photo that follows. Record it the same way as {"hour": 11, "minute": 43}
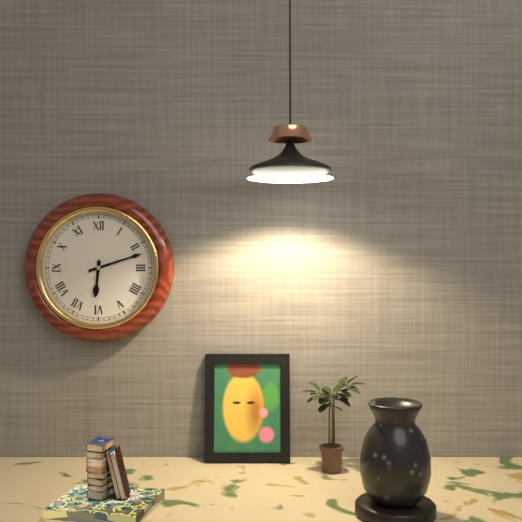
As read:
{"hour": 6, "minute": 12}
